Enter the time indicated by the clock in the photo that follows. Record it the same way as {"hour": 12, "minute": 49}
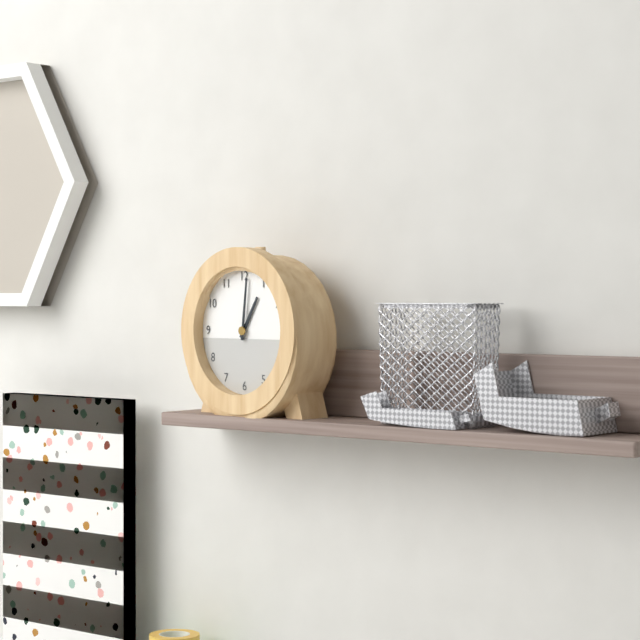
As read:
{"hour": 1, "minute": 1}
